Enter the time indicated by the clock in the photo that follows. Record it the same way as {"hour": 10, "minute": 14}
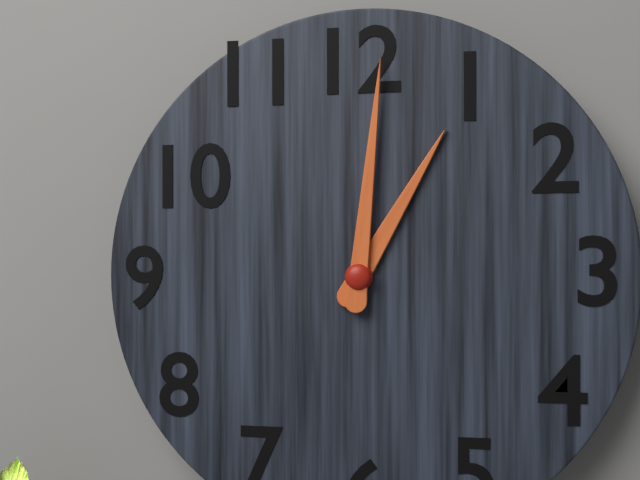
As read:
{"hour": 1, "minute": 1}
